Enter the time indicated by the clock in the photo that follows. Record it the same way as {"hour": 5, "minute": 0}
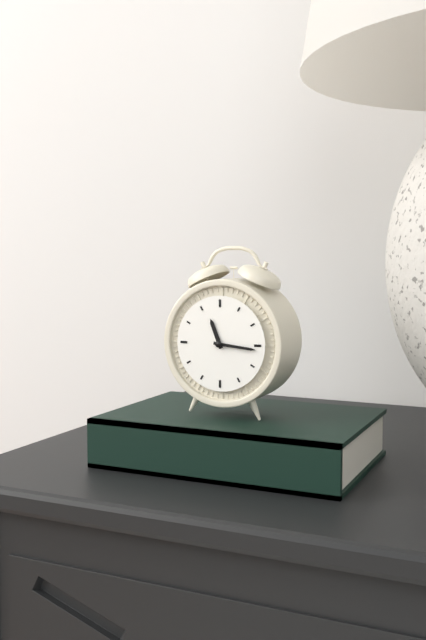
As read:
{"hour": 11, "minute": 16}
